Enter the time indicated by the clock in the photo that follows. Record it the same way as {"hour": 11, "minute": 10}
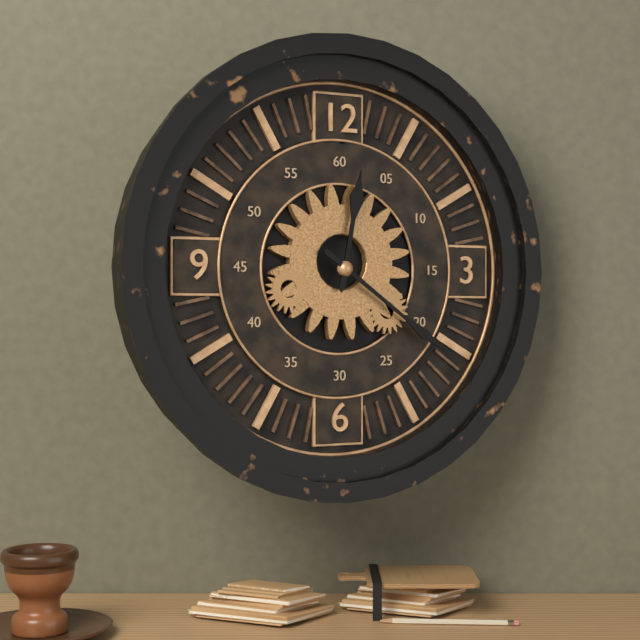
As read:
{"hour": 12, "minute": 21}
